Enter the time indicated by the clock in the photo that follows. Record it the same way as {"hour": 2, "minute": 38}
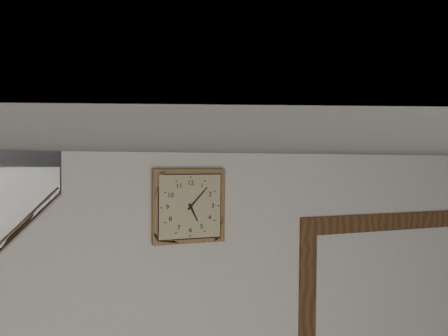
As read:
{"hour": 5, "minute": 7}
